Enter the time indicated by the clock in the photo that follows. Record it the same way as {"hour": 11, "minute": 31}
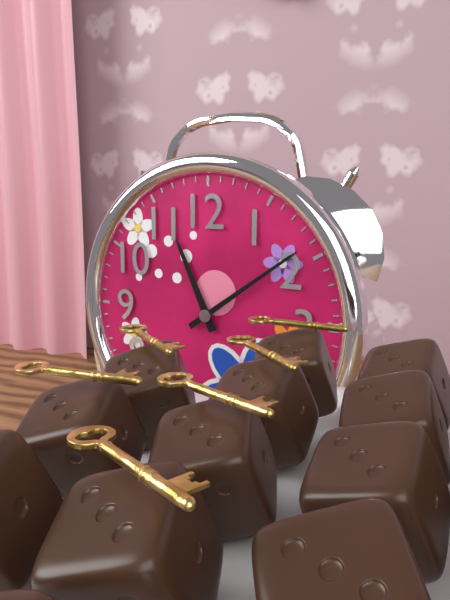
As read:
{"hour": 11, "minute": 9}
